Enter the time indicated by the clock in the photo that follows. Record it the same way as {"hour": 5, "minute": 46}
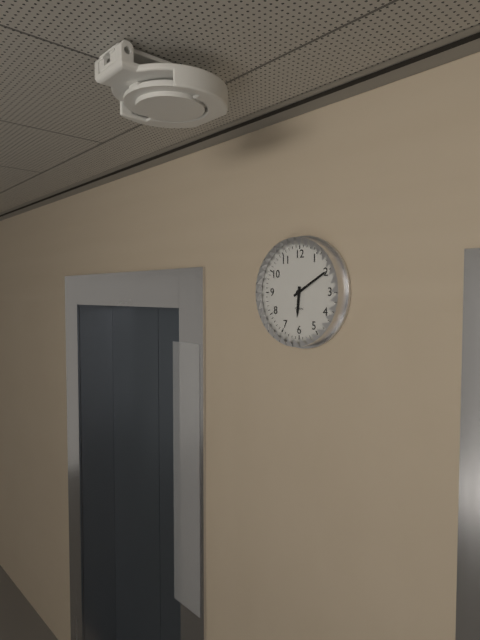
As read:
{"hour": 6, "minute": 10}
